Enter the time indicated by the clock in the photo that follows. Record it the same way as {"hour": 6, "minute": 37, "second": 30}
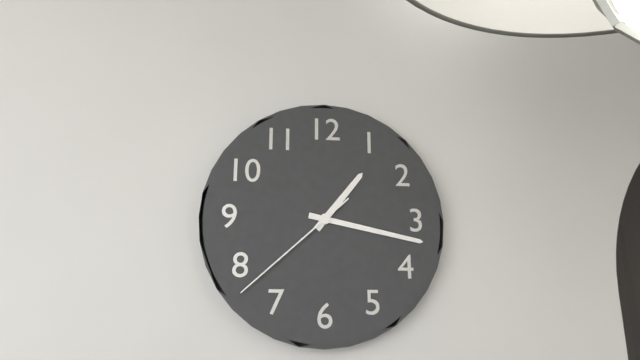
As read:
{"hour": 1, "minute": 17, "second": 38}
